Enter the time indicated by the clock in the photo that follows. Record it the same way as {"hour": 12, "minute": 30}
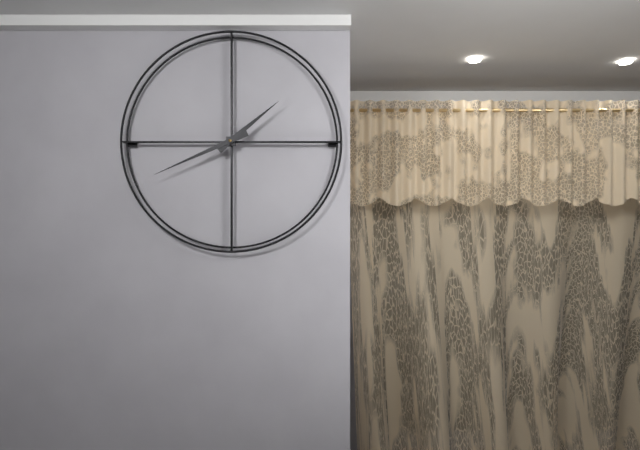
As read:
{"hour": 1, "minute": 41}
